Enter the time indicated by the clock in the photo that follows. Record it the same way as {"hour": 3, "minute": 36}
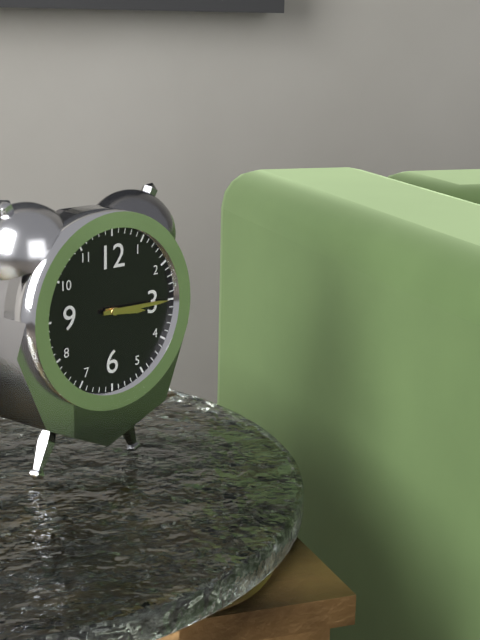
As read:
{"hour": 3, "minute": 15}
